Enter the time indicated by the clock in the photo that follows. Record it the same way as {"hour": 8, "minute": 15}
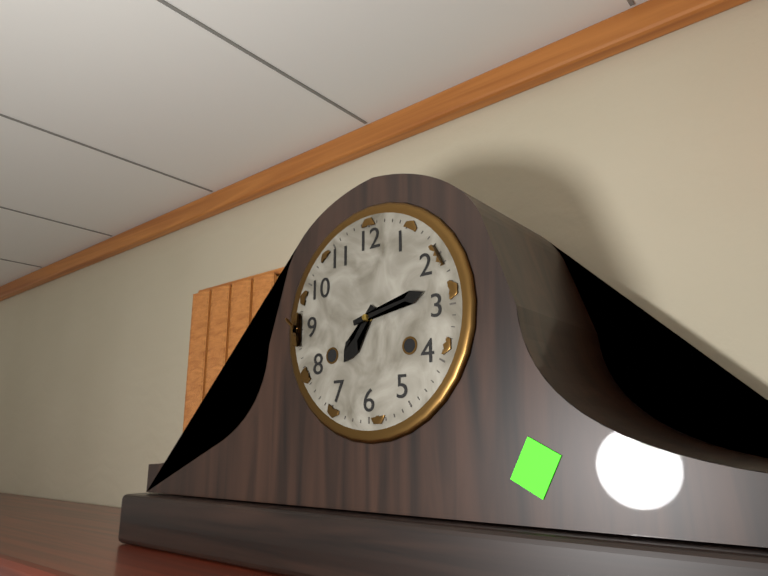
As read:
{"hour": 7, "minute": 13}
